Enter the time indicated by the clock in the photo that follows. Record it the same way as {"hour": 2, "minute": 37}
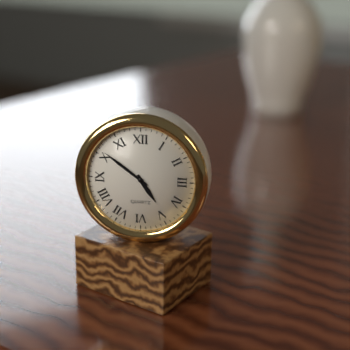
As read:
{"hour": 4, "minute": 51}
